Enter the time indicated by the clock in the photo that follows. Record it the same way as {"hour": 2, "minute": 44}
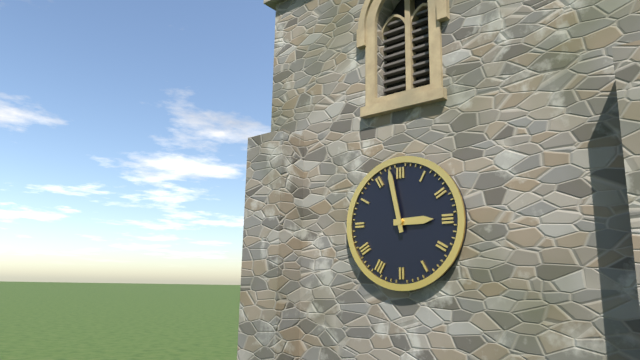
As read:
{"hour": 2, "minute": 58}
